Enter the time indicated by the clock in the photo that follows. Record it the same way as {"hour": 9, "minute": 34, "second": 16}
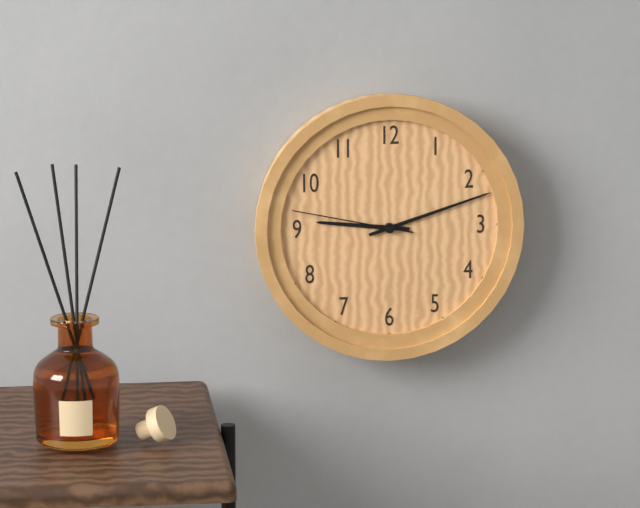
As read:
{"hour": 9, "minute": 12, "second": 47}
